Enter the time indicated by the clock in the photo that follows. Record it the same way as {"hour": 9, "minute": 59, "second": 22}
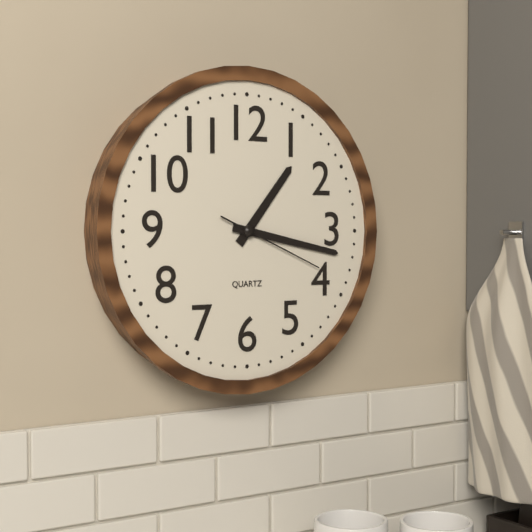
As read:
{"hour": 1, "minute": 17, "second": 19}
